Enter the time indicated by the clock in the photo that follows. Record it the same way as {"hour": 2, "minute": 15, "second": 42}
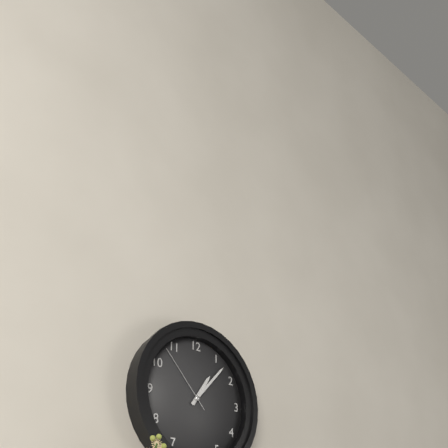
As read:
{"hour": 1, "minute": 7, "second": 53}
